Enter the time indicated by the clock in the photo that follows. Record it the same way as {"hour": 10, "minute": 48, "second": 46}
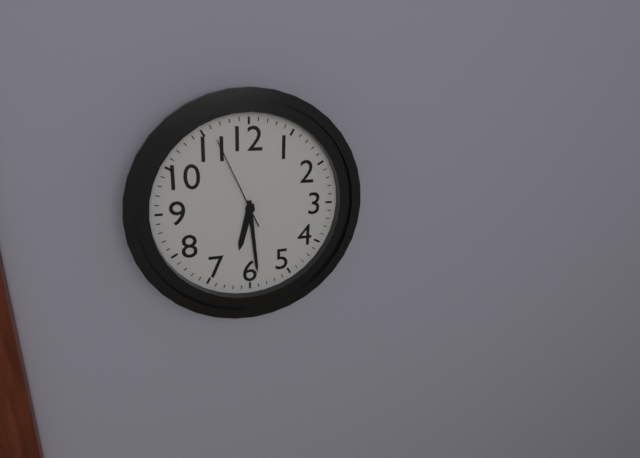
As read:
{"hour": 6, "minute": 29, "second": 56}
